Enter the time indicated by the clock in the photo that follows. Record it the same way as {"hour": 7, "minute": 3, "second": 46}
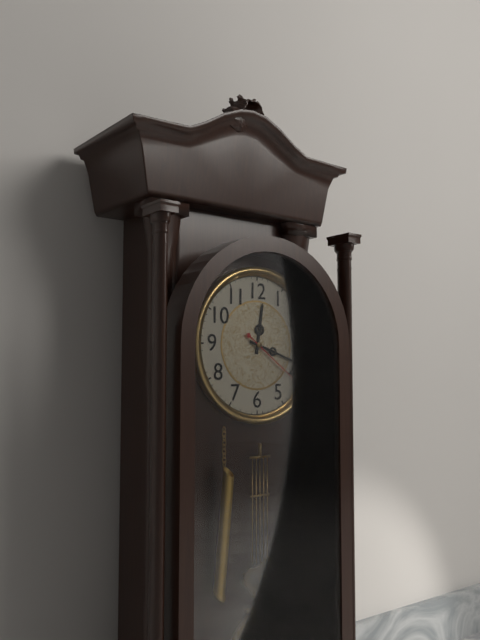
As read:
{"hour": 12, "minute": 18, "second": 21}
